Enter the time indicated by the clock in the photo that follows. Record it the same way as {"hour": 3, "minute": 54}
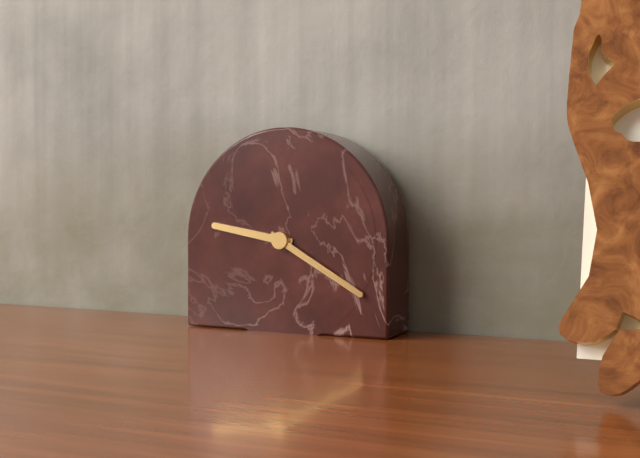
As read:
{"hour": 9, "minute": 20}
